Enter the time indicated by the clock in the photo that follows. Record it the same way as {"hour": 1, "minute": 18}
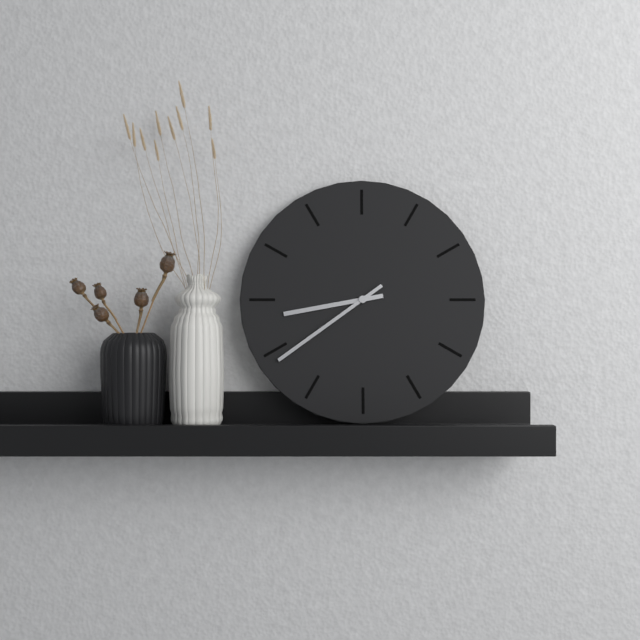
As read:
{"hour": 8, "minute": 39}
